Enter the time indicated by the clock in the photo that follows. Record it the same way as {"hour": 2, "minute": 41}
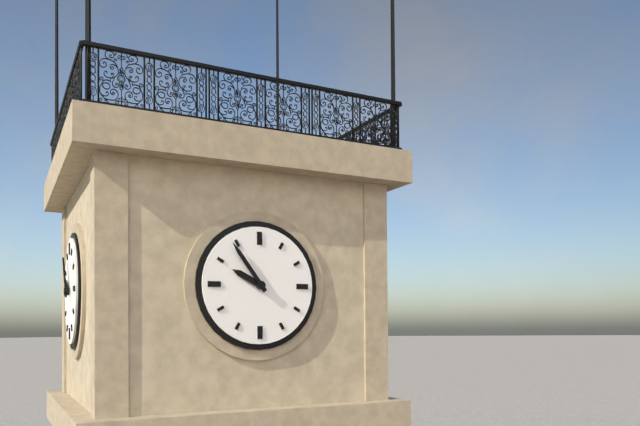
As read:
{"hour": 9, "minute": 54}
